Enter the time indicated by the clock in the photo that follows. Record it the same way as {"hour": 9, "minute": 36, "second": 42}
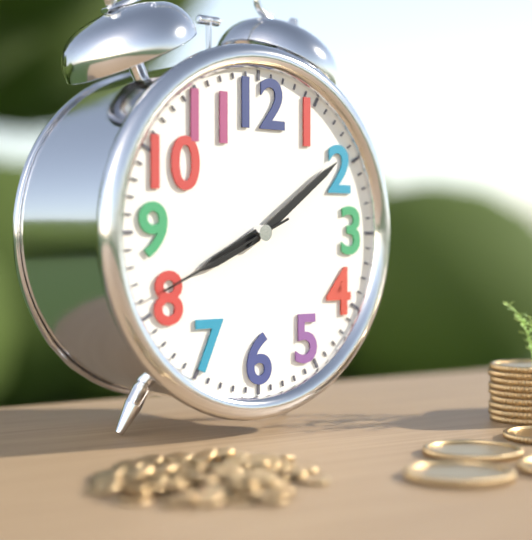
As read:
{"hour": 8, "minute": 9, "second": 41}
